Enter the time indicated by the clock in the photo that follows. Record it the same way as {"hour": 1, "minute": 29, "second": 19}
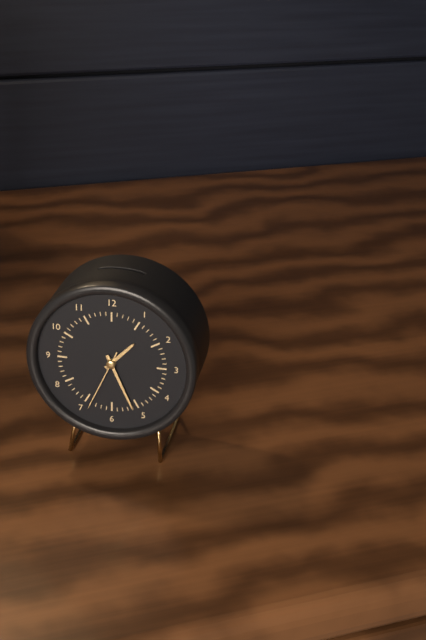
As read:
{"hour": 1, "minute": 26, "second": 34}
